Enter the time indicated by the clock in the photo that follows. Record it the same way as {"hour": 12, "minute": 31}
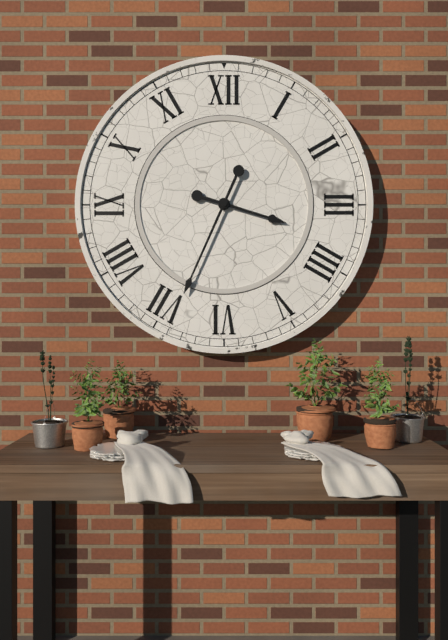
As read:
{"hour": 3, "minute": 34}
